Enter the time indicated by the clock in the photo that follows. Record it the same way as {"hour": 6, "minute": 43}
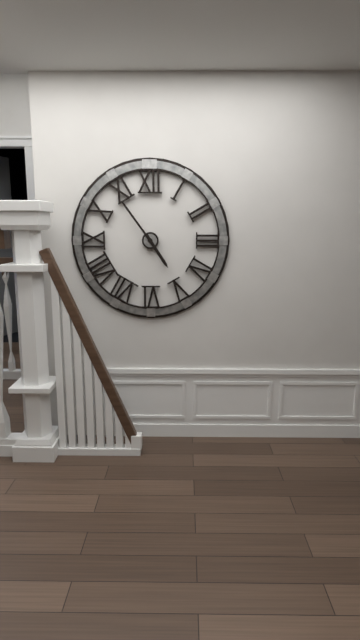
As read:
{"hour": 4, "minute": 54}
